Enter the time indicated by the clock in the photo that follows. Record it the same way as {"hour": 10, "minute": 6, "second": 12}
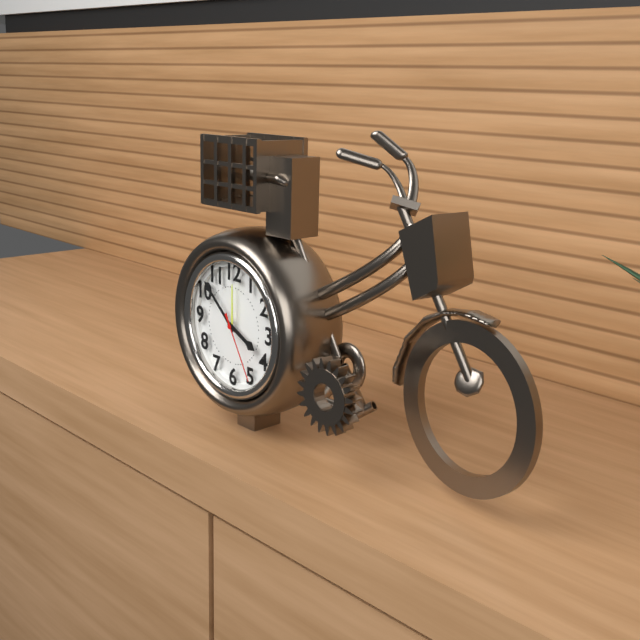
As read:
{"hour": 3, "minute": 52, "second": 25}
